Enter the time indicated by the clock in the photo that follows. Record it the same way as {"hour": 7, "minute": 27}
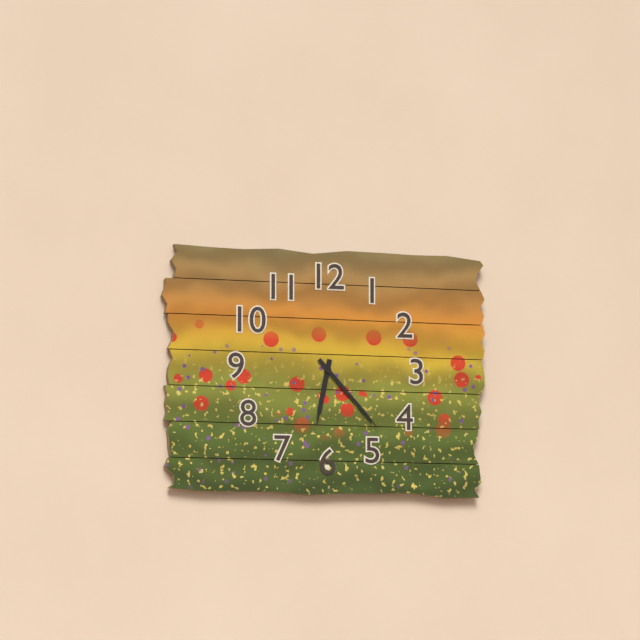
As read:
{"hour": 6, "minute": 23}
